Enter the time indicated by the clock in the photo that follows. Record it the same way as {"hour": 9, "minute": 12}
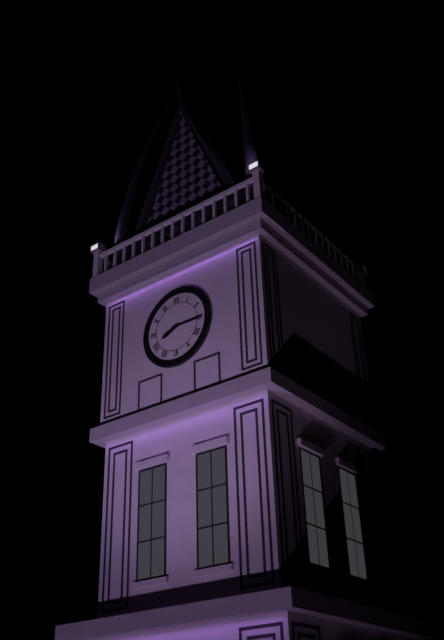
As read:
{"hour": 8, "minute": 15}
